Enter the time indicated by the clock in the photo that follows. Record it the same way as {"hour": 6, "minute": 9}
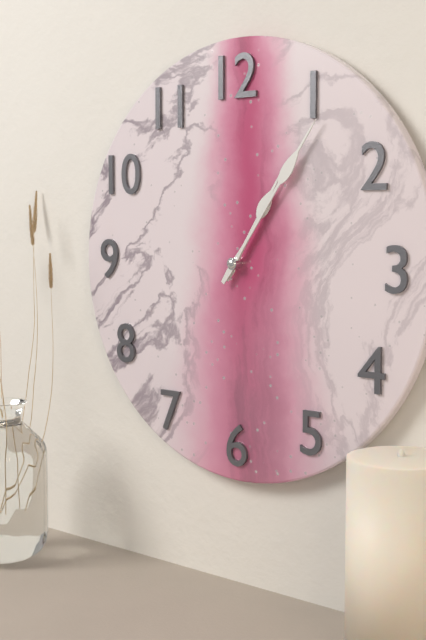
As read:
{"hour": 1, "minute": 6}
